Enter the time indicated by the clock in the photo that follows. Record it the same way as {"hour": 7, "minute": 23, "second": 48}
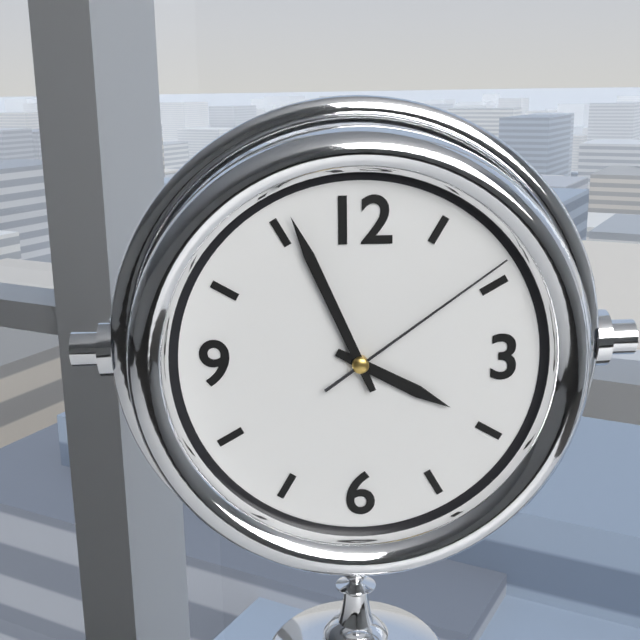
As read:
{"hour": 3, "minute": 56, "second": 9}
